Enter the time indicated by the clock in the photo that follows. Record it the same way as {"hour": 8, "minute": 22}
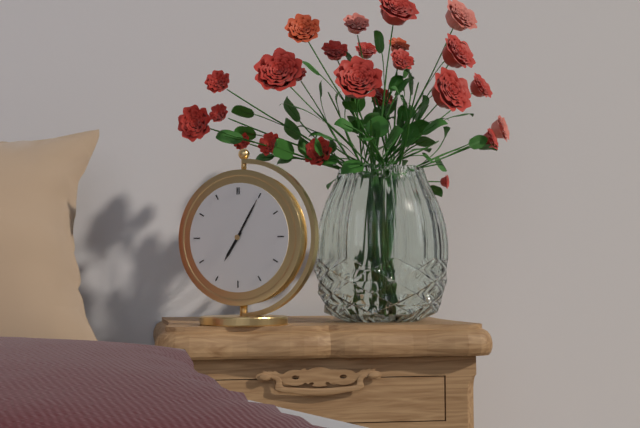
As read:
{"hour": 7, "minute": 5}
